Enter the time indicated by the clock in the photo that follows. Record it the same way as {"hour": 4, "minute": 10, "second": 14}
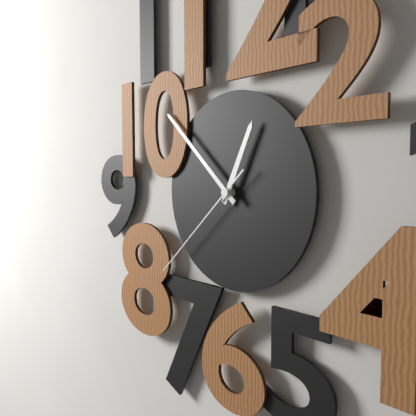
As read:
{"hour": 12, "minute": 52, "second": 38}
